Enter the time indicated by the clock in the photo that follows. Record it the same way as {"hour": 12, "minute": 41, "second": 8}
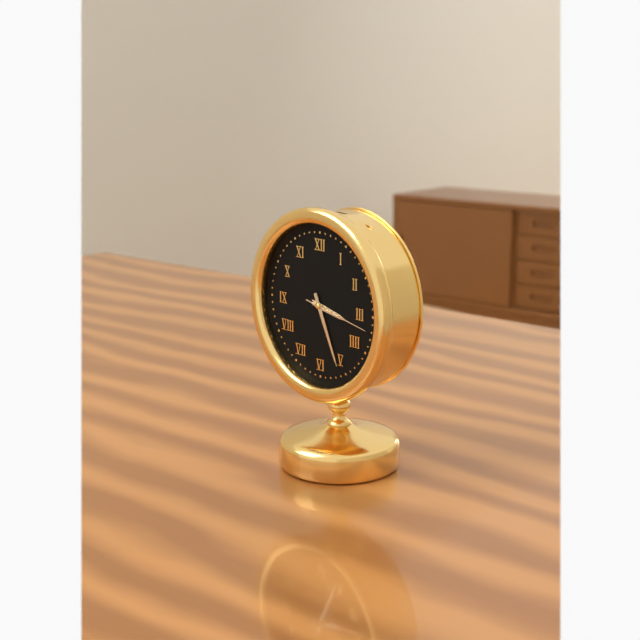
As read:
{"hour": 3, "minute": 26, "second": 17}
